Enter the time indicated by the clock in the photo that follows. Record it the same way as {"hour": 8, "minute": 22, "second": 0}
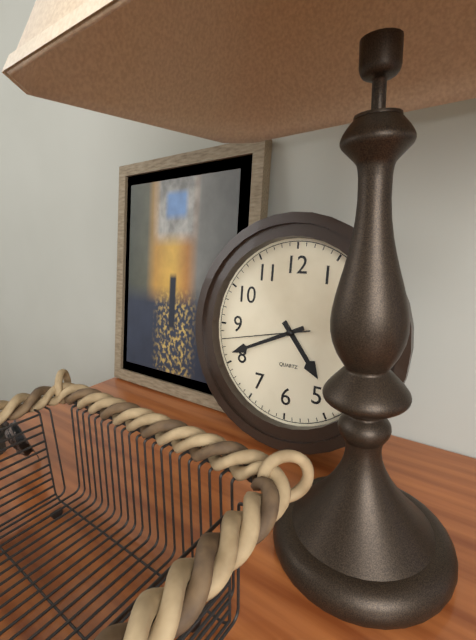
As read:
{"hour": 4, "minute": 41, "second": 43}
